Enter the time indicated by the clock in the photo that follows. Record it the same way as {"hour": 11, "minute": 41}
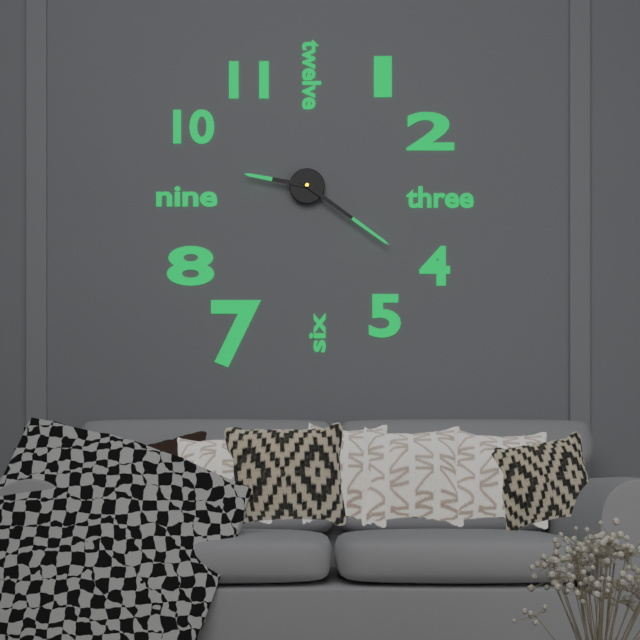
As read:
{"hour": 9, "minute": 21}
